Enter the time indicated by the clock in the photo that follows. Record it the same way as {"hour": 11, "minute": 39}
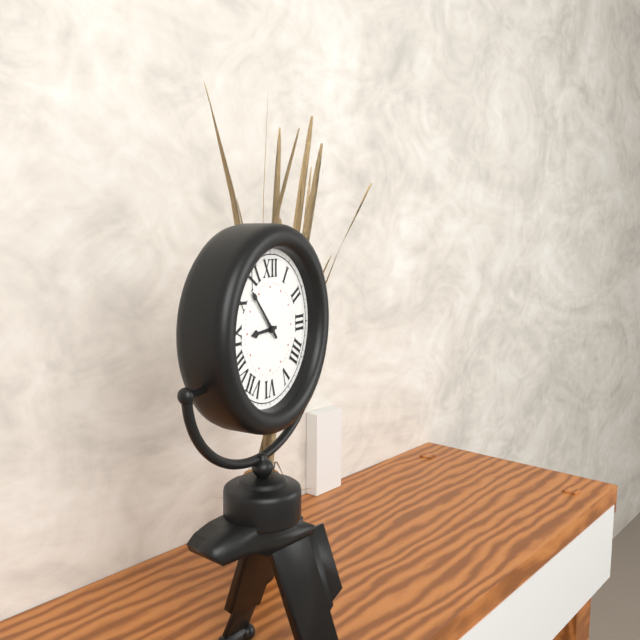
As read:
{"hour": 8, "minute": 53}
